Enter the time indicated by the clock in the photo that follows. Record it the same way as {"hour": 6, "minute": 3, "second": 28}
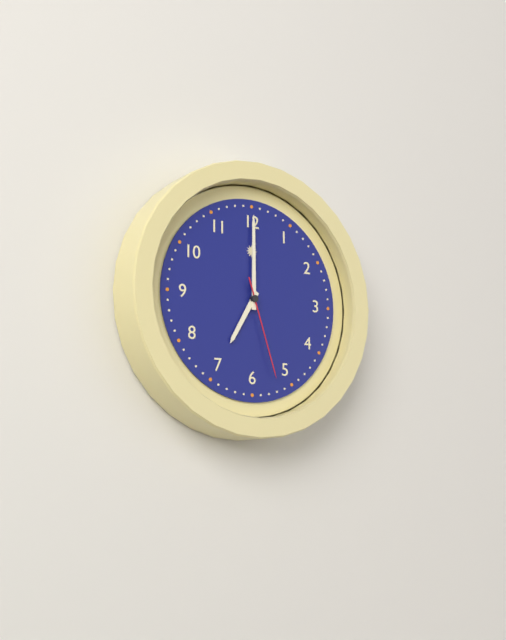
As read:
{"hour": 7, "minute": 0, "second": 27}
